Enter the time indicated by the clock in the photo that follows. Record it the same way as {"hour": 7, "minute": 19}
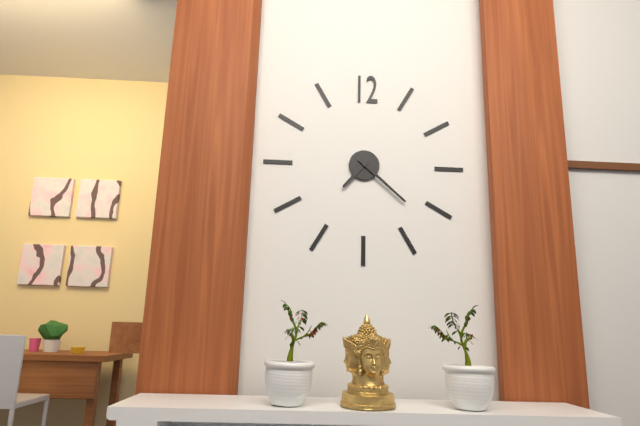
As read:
{"hour": 7, "minute": 22}
